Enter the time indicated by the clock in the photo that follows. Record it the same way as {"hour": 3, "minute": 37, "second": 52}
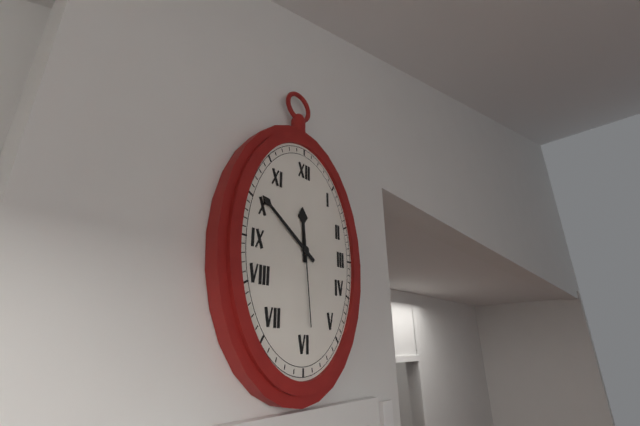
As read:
{"hour": 11, "minute": 51, "second": 29}
